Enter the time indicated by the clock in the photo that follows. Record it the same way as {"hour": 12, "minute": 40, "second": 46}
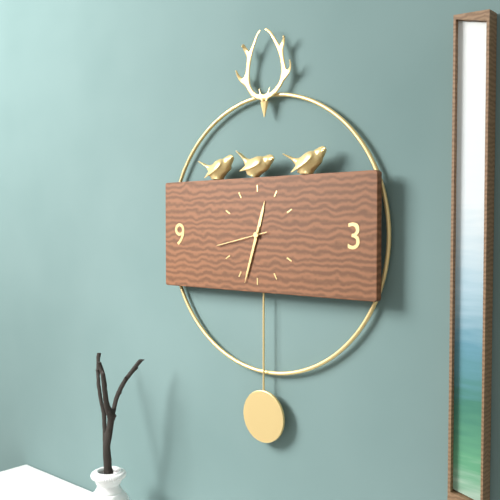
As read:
{"hour": 12, "minute": 33, "second": 43}
